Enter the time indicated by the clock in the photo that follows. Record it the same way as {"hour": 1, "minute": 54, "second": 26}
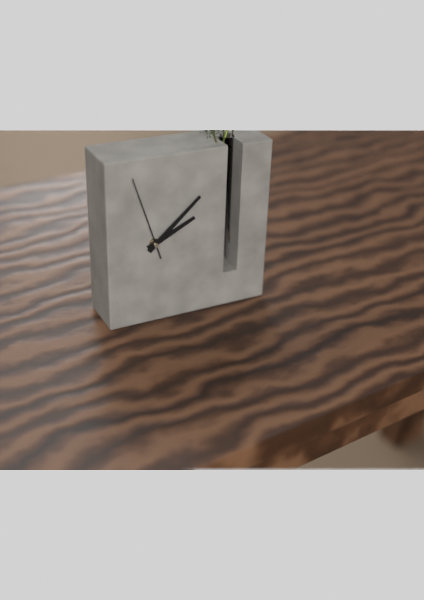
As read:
{"hour": 2, "minute": 8, "second": 57}
